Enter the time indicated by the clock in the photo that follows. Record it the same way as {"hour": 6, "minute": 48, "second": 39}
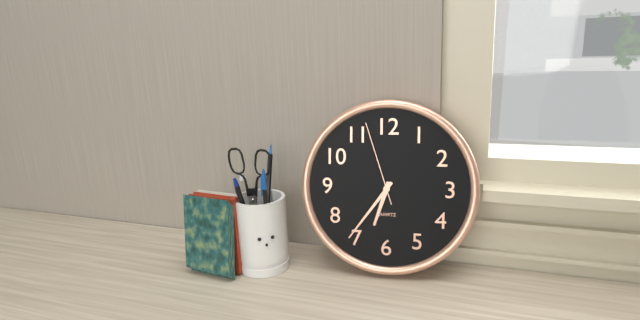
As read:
{"hour": 6, "minute": 36, "second": 57}
